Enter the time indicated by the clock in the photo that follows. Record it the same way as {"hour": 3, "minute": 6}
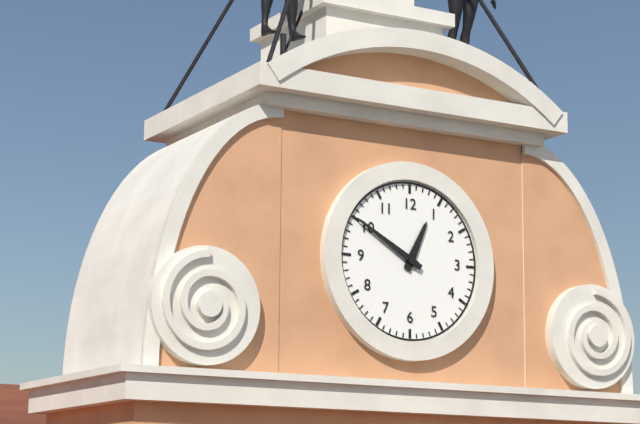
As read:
{"hour": 12, "minute": 50}
